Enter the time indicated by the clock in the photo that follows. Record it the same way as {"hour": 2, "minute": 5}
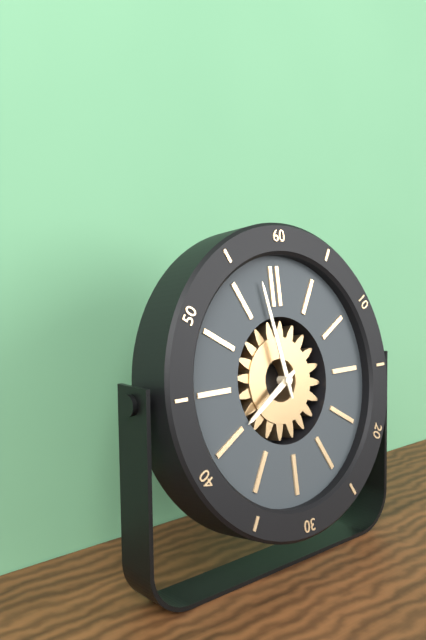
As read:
{"hour": 7, "minute": 58}
